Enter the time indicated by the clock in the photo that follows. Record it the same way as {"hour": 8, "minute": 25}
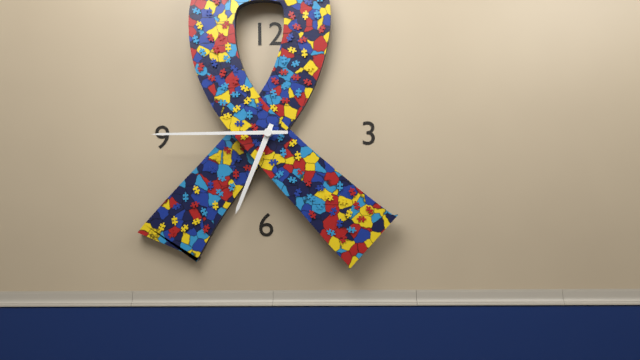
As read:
{"hour": 6, "minute": 45}
